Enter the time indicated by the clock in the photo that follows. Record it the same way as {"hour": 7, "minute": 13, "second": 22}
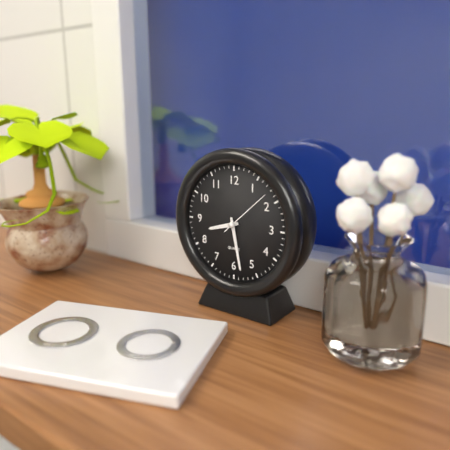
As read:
{"hour": 8, "minute": 28, "second": 8}
